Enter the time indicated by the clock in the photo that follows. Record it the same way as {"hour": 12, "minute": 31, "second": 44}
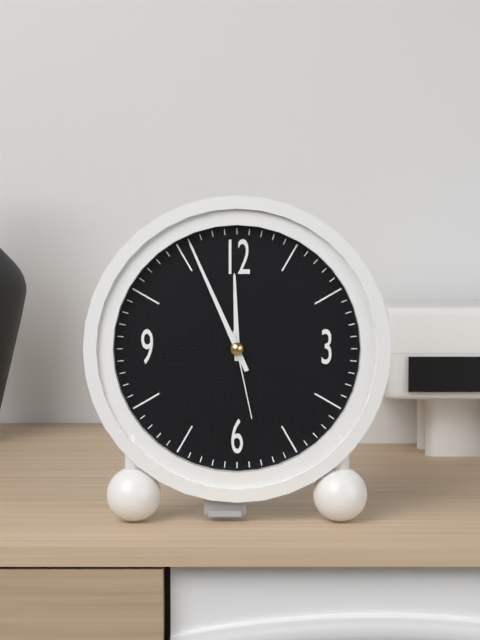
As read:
{"hour": 11, "minute": 56, "second": 28}
